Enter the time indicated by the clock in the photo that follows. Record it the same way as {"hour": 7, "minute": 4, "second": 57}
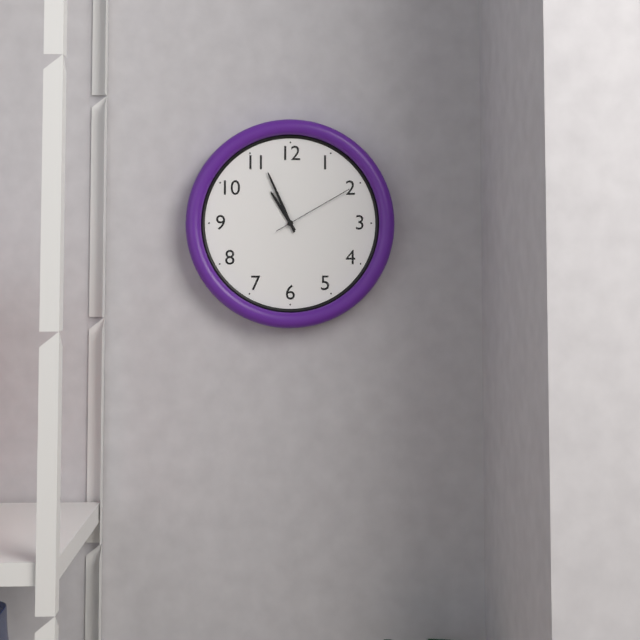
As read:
{"hour": 10, "minute": 56, "second": 10}
